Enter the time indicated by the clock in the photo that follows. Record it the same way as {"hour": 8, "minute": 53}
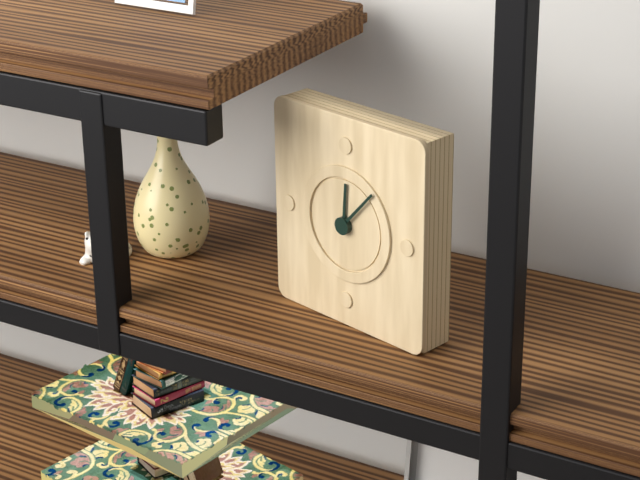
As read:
{"hour": 12, "minute": 7}
